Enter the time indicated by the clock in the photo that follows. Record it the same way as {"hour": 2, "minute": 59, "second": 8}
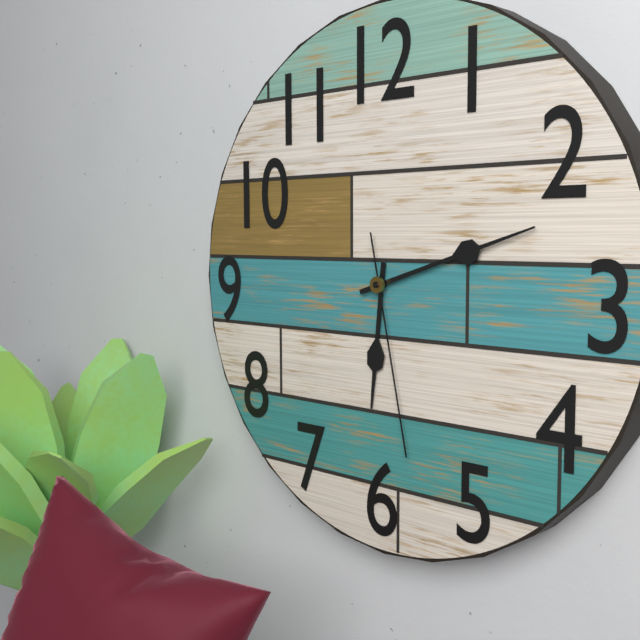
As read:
{"hour": 6, "minute": 12, "second": 28}
